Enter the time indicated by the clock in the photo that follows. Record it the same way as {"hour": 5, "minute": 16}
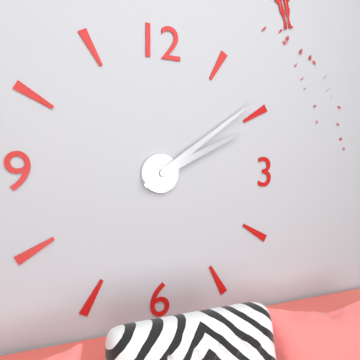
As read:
{"hour": 2, "minute": 9}
